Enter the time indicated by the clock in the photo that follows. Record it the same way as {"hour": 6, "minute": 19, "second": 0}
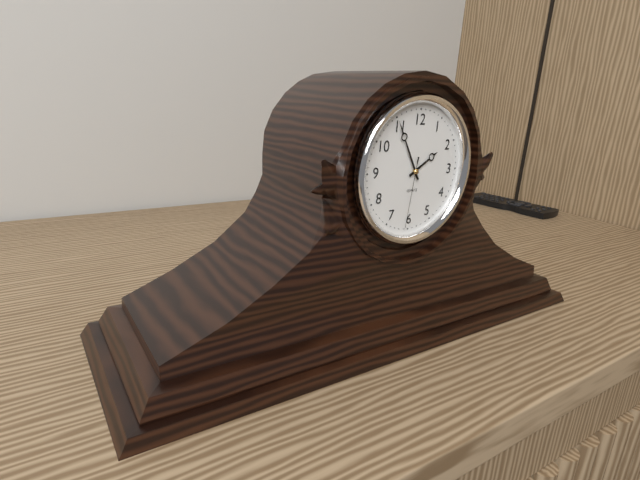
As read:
{"hour": 1, "minute": 55, "second": 31}
